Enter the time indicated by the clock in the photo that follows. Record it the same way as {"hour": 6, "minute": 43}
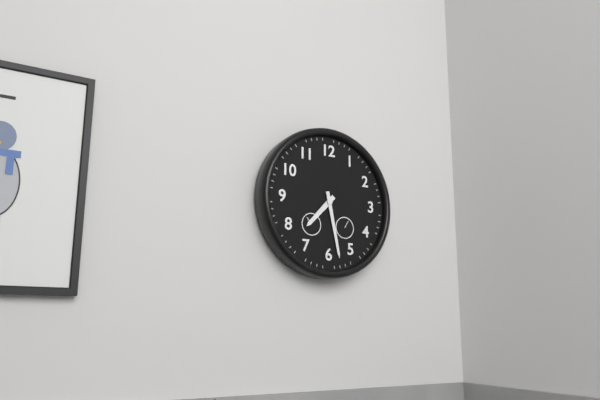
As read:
{"hour": 7, "minute": 28}
